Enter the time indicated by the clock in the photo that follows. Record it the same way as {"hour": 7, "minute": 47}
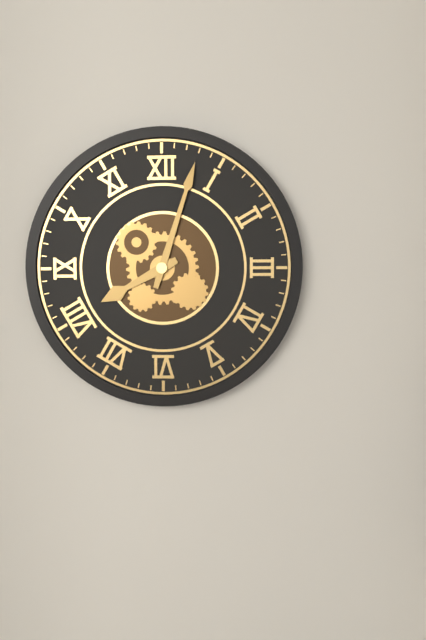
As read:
{"hour": 8, "minute": 3}
